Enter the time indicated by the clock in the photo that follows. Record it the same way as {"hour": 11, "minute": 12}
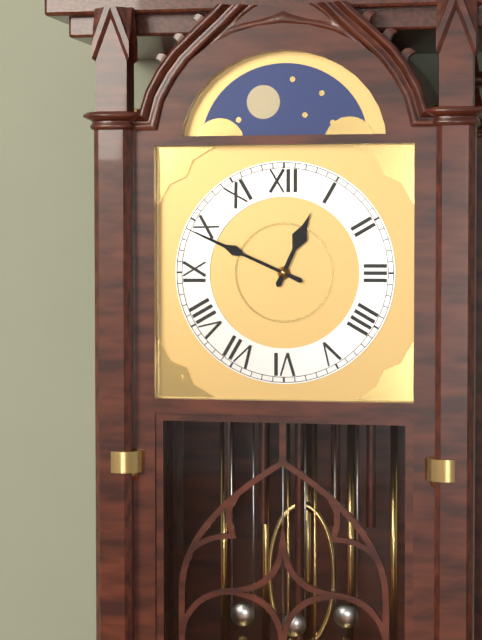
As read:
{"hour": 12, "minute": 49}
